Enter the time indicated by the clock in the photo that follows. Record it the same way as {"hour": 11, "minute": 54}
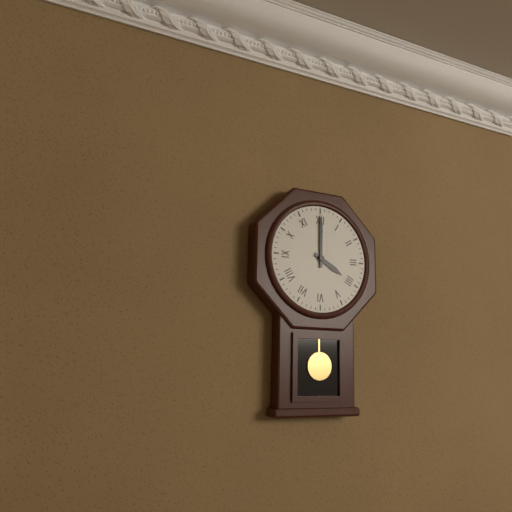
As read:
{"hour": 4, "minute": 0}
